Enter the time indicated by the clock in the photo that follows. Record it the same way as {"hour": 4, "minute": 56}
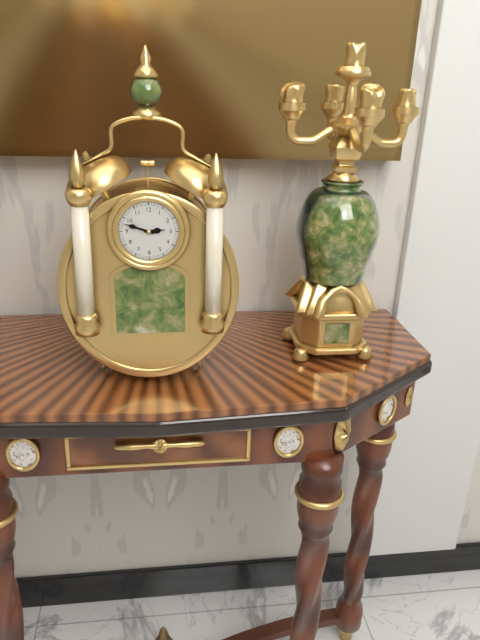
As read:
{"hour": 2, "minute": 48}
